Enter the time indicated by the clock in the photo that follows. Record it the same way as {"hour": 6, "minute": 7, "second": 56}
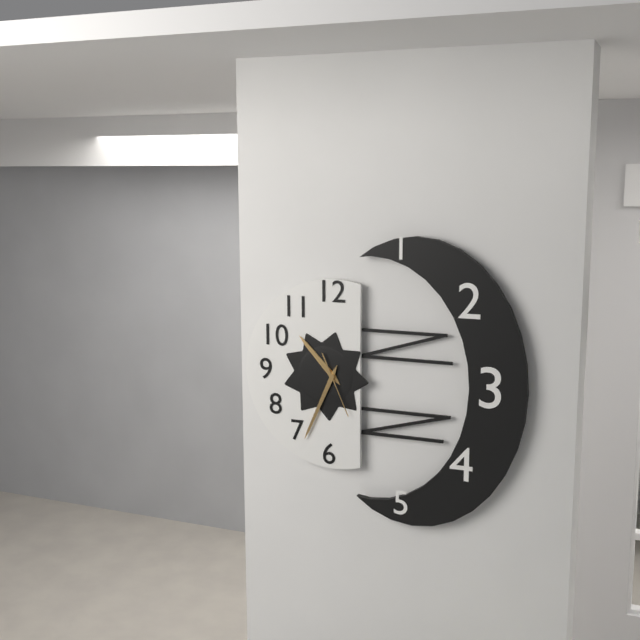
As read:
{"hour": 10, "minute": 34, "second": 26}
